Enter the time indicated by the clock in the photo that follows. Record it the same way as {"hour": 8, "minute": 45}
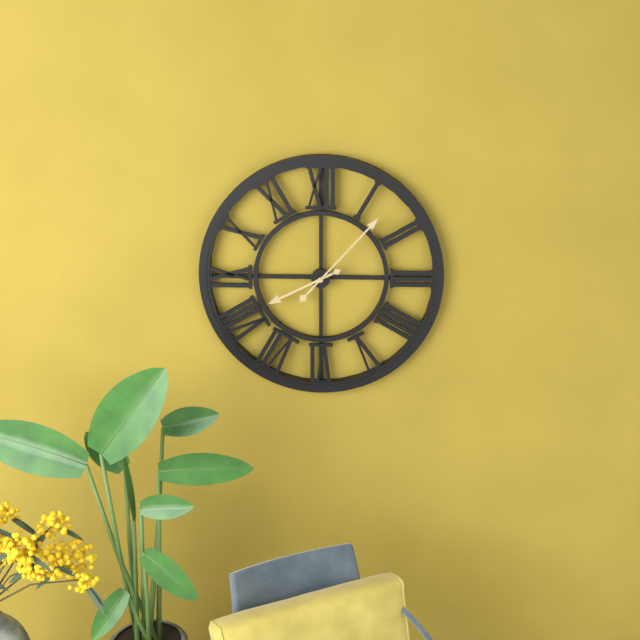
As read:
{"hour": 8, "minute": 7}
